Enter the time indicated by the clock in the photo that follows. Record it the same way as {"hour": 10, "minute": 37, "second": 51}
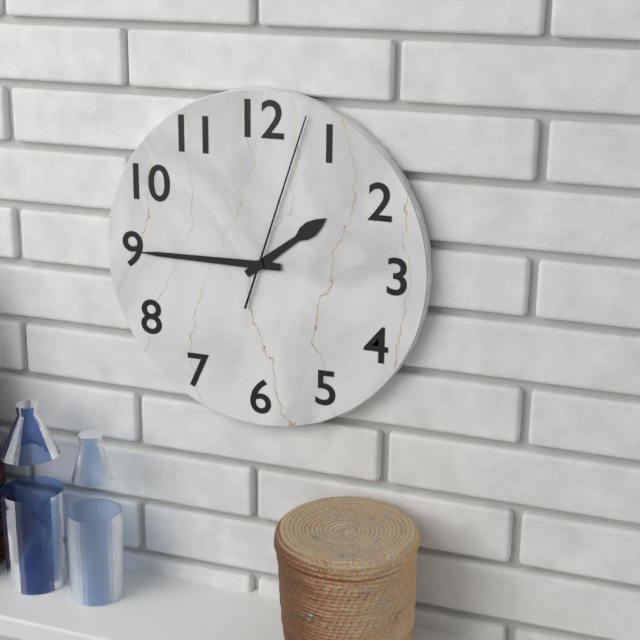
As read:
{"hour": 1, "minute": 45, "second": 3}
